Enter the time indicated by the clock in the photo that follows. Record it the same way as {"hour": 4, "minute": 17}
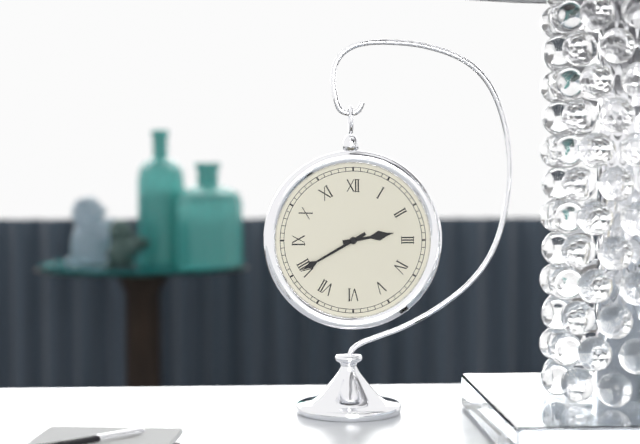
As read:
{"hour": 2, "minute": 40}
